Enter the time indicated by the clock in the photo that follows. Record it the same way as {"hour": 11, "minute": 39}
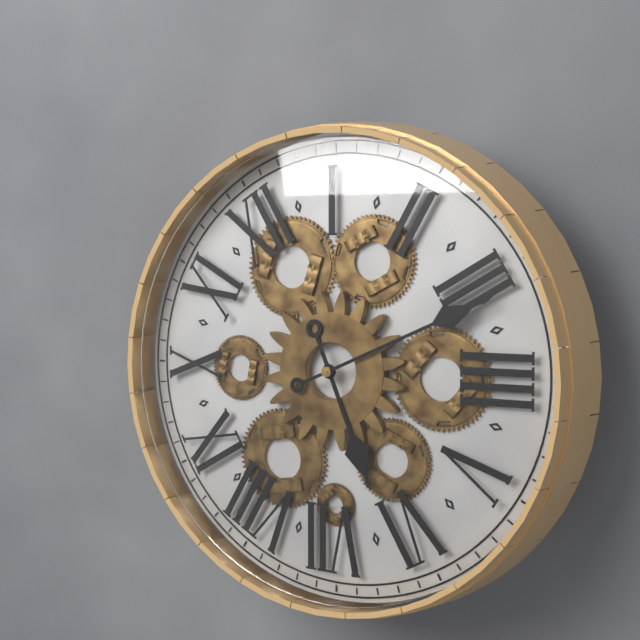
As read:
{"hour": 6, "minute": 16}
